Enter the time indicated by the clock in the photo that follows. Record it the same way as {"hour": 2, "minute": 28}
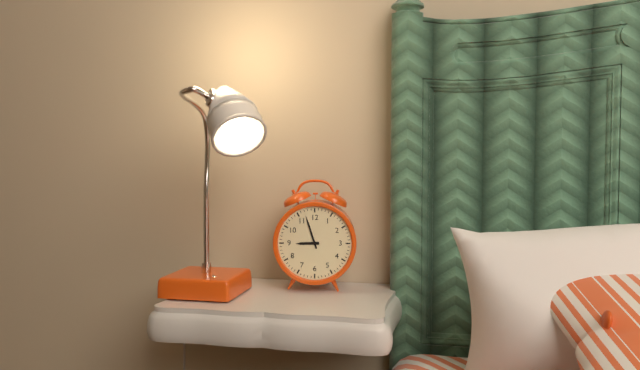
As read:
{"hour": 8, "minute": 57}
